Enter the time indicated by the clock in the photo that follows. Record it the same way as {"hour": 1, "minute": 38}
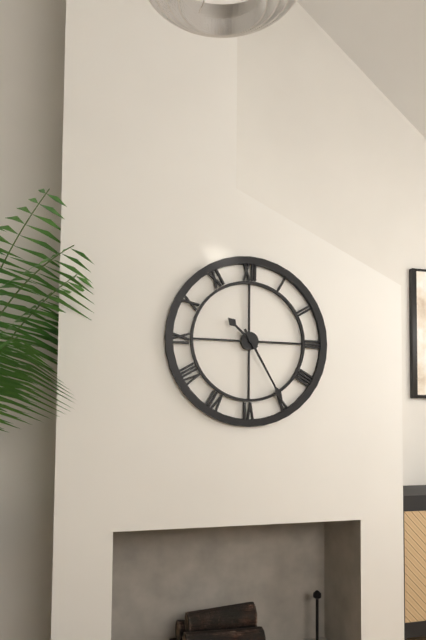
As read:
{"hour": 10, "minute": 25}
